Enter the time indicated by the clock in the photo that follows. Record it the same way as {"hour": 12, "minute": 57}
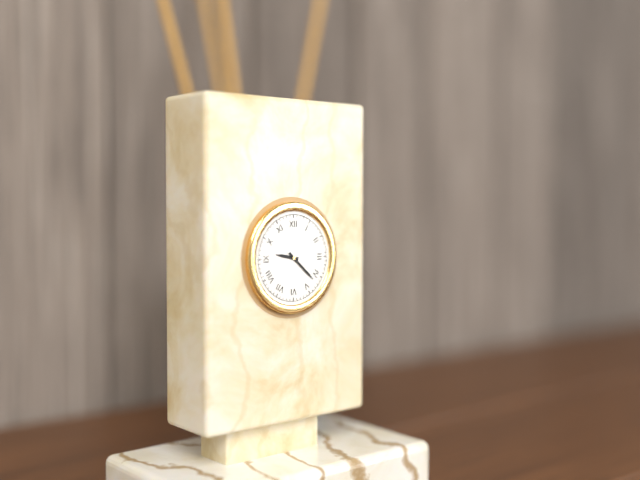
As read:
{"hour": 9, "minute": 22}
